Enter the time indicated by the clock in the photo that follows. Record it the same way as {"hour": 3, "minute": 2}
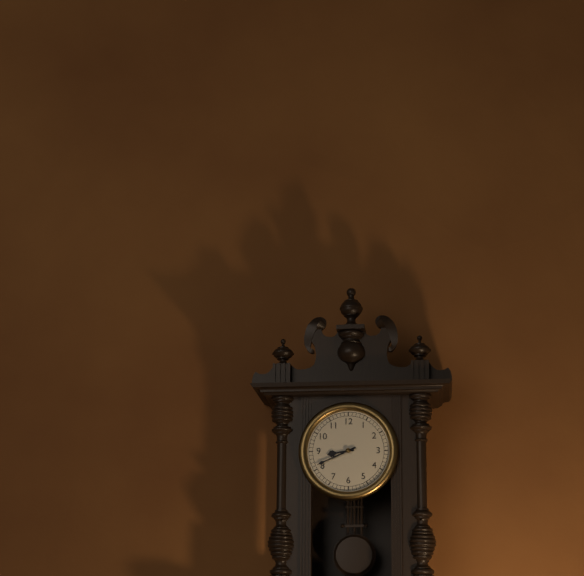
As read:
{"hour": 8, "minute": 41}
